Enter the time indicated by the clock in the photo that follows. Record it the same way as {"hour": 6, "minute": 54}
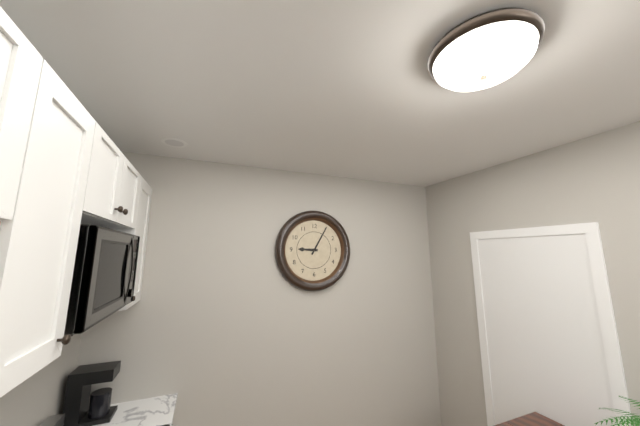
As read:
{"hour": 9, "minute": 5}
